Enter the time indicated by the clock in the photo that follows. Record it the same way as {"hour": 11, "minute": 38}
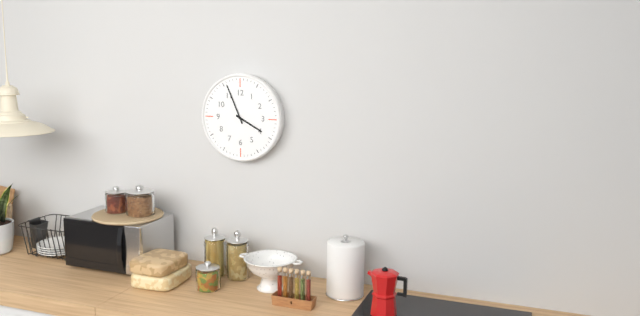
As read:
{"hour": 3, "minute": 56}
